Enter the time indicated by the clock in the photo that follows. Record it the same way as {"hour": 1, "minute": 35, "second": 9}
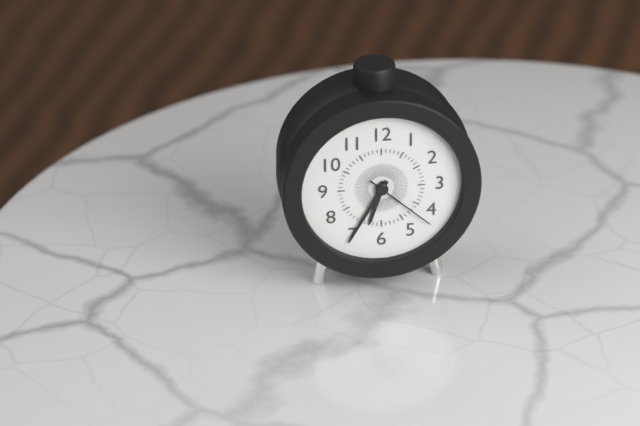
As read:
{"hour": 6, "minute": 35, "second": 22}
